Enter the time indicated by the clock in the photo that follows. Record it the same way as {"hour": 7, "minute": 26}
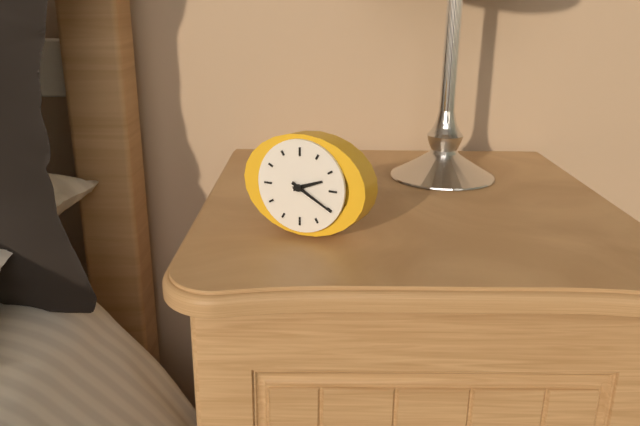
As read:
{"hour": 2, "minute": 20}
